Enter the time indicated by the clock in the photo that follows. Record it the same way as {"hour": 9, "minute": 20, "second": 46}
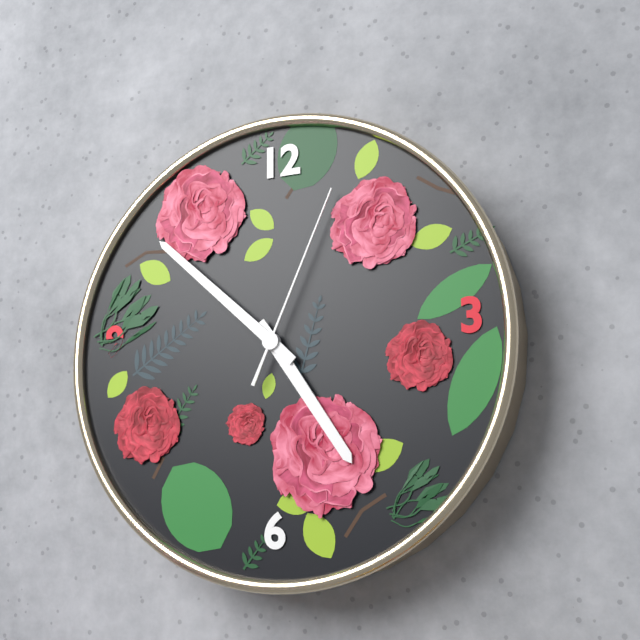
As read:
{"hour": 4, "minute": 52, "second": 4}
